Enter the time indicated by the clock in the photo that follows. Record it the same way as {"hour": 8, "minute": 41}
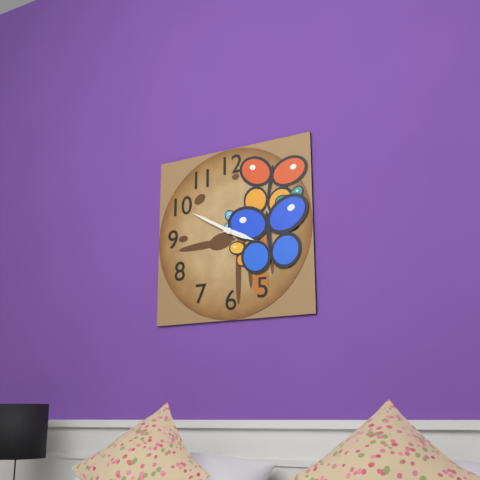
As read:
{"hour": 3, "minute": 50}
